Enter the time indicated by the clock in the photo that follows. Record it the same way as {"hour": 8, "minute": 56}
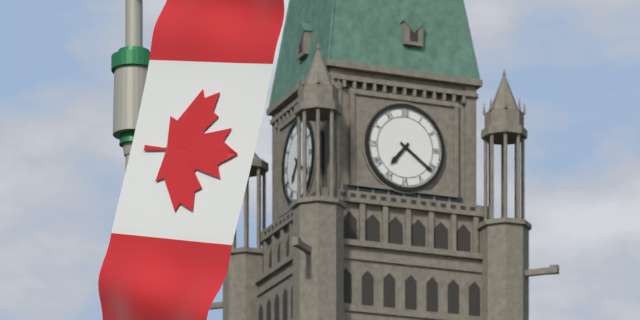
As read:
{"hour": 7, "minute": 21}
